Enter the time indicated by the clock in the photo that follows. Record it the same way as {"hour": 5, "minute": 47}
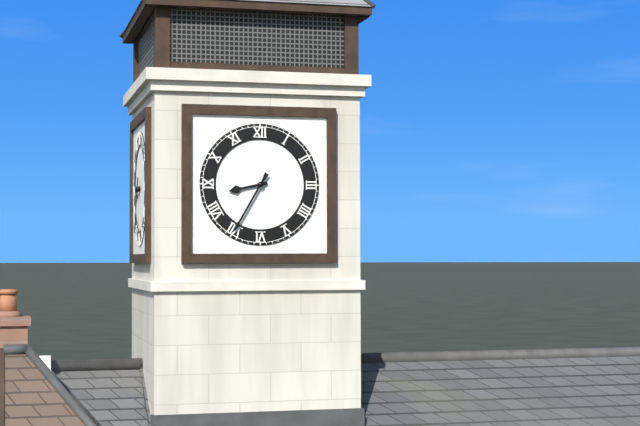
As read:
{"hour": 8, "minute": 35}
